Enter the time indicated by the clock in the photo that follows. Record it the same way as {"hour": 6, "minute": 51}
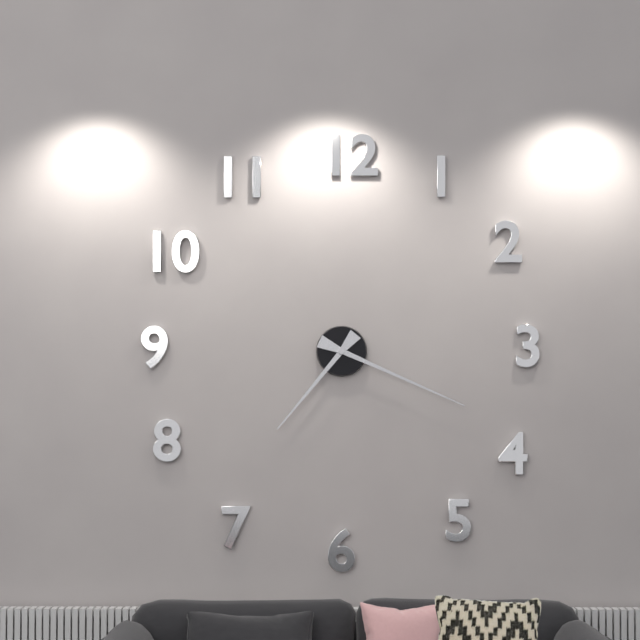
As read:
{"hour": 7, "minute": 19}
